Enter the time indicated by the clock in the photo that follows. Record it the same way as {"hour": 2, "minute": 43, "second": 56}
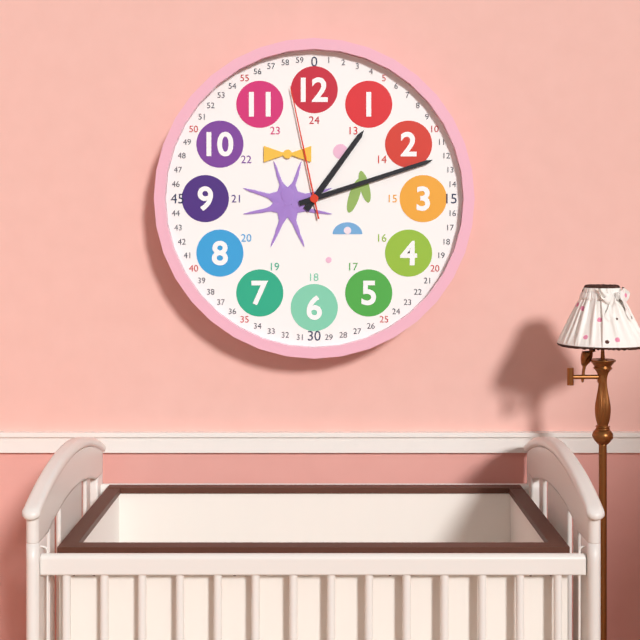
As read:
{"hour": 1, "minute": 12, "second": 58}
